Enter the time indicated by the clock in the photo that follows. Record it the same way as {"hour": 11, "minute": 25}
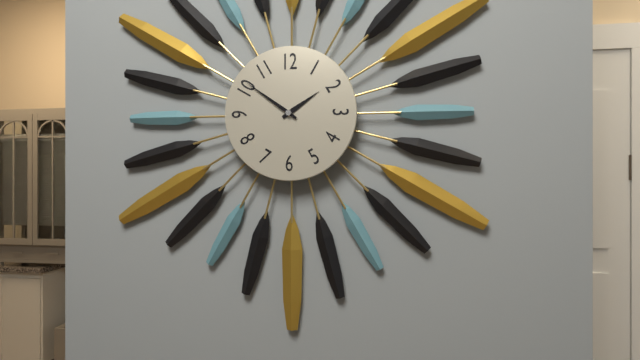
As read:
{"hour": 1, "minute": 51}
